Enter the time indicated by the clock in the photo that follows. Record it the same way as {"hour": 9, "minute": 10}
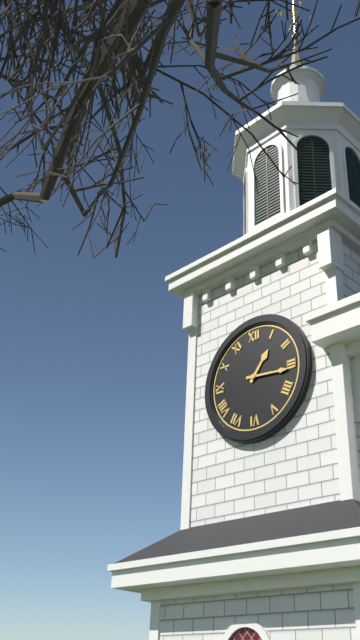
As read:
{"hour": 1, "minute": 16}
